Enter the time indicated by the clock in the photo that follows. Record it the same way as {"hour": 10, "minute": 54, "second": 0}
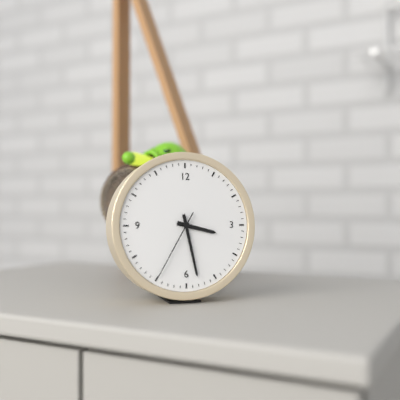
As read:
{"hour": 3, "minute": 28, "second": 35}
